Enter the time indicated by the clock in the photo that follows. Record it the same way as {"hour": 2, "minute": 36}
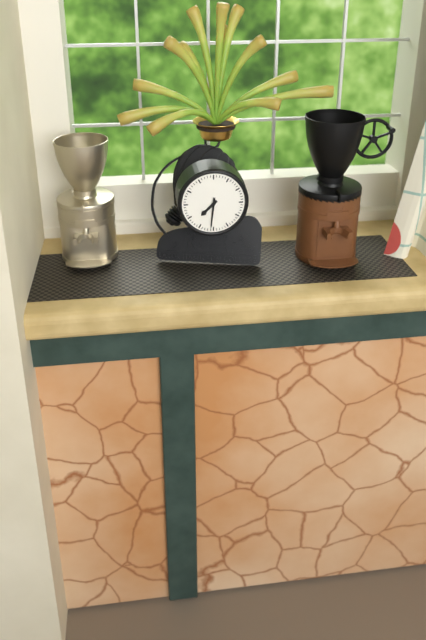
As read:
{"hour": 7, "minute": 31}
